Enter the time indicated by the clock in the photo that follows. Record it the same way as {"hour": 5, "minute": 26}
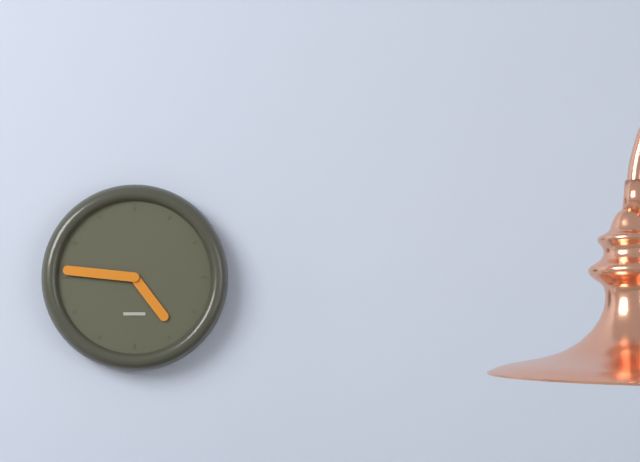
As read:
{"hour": 4, "minute": 46}
